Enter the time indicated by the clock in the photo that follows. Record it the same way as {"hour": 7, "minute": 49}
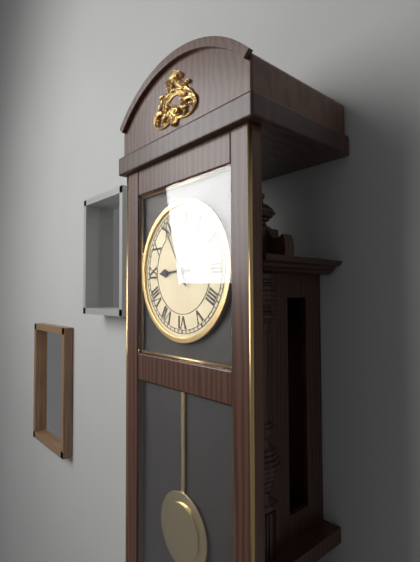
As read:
{"hour": 8, "minute": 55}
